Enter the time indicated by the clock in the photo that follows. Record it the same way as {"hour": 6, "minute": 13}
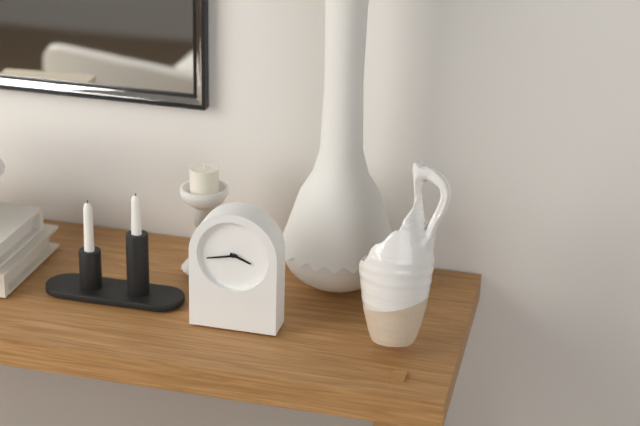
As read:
{"hour": 3, "minute": 43}
